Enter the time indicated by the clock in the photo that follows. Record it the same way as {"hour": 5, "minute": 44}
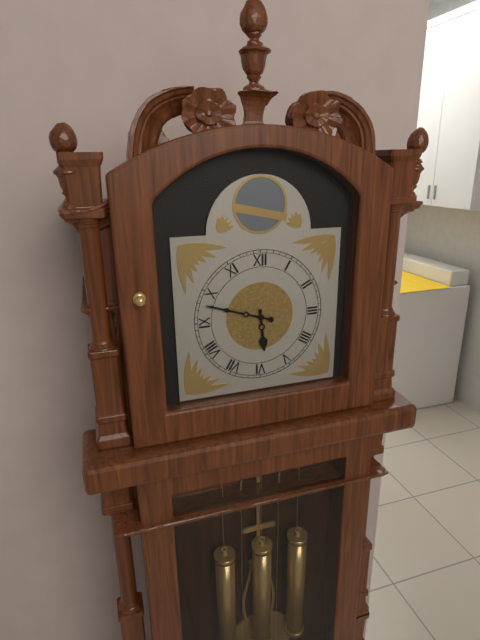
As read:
{"hour": 5, "minute": 48}
